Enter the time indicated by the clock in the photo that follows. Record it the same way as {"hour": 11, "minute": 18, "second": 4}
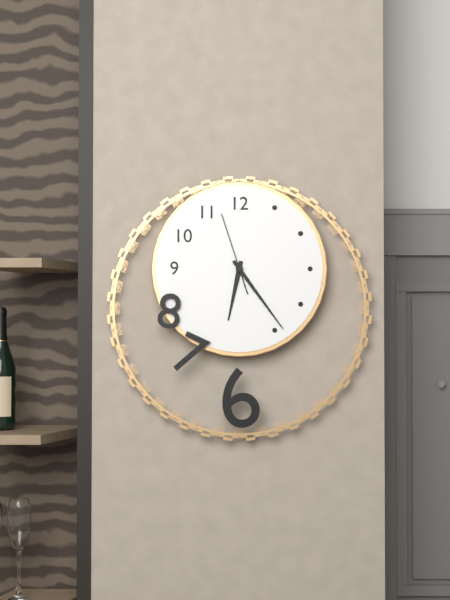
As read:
{"hour": 6, "minute": 24, "second": 57}
